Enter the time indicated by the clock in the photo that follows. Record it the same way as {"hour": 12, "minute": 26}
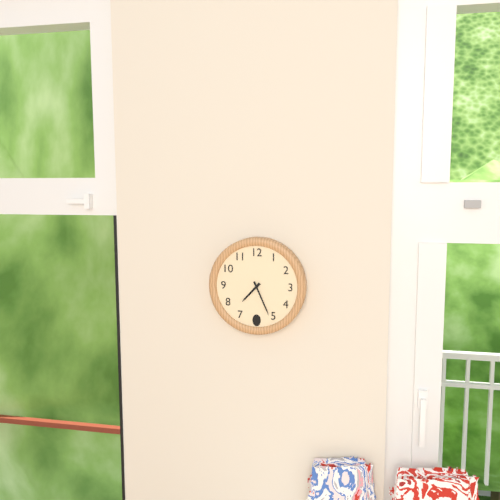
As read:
{"hour": 7, "minute": 26}
